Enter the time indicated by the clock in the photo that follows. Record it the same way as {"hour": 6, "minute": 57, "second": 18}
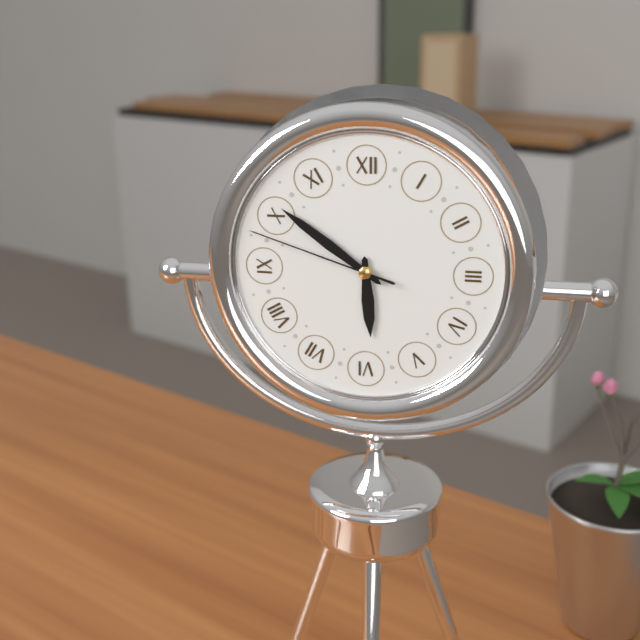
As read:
{"hour": 5, "minute": 51, "second": 48}
